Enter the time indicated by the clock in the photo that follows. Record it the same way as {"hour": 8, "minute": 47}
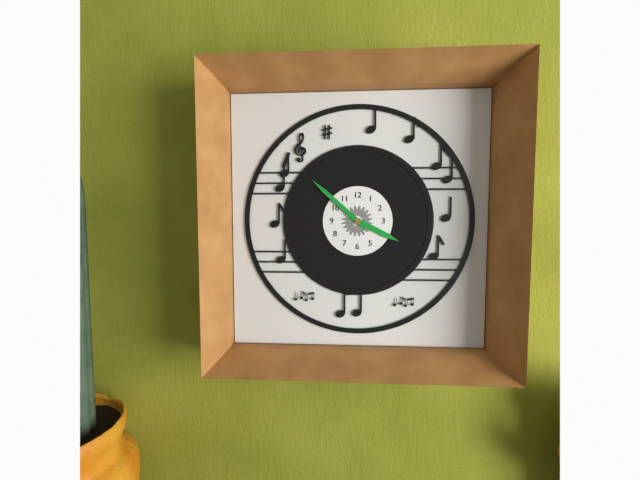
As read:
{"hour": 3, "minute": 52}
